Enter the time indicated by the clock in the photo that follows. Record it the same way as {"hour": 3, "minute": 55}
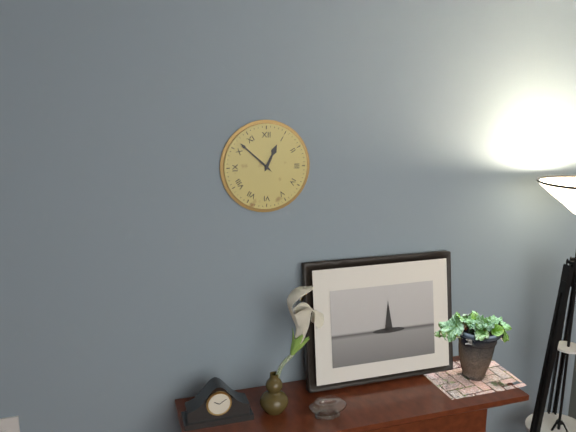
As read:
{"hour": 12, "minute": 52}
